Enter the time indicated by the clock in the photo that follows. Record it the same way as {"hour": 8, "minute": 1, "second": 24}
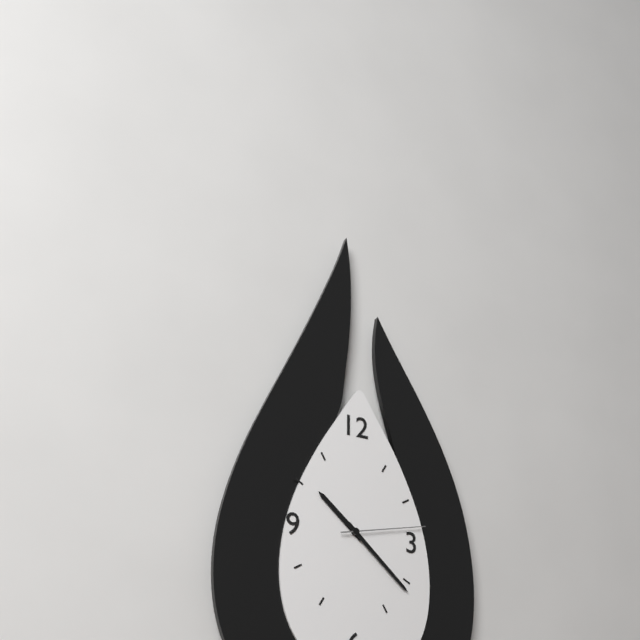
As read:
{"hour": 10, "minute": 22, "second": 13}
